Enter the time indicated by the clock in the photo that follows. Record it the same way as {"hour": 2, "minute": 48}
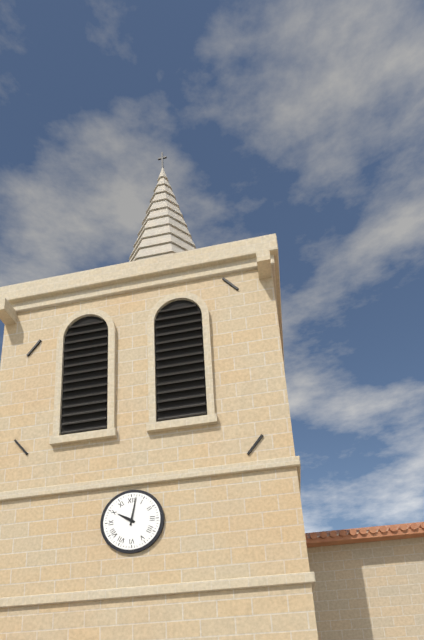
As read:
{"hour": 10, "minute": 2}
